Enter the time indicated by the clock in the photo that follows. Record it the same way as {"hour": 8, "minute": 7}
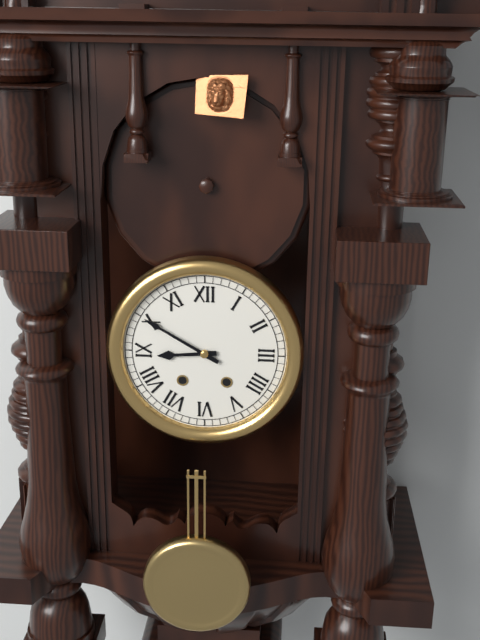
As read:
{"hour": 8, "minute": 50}
